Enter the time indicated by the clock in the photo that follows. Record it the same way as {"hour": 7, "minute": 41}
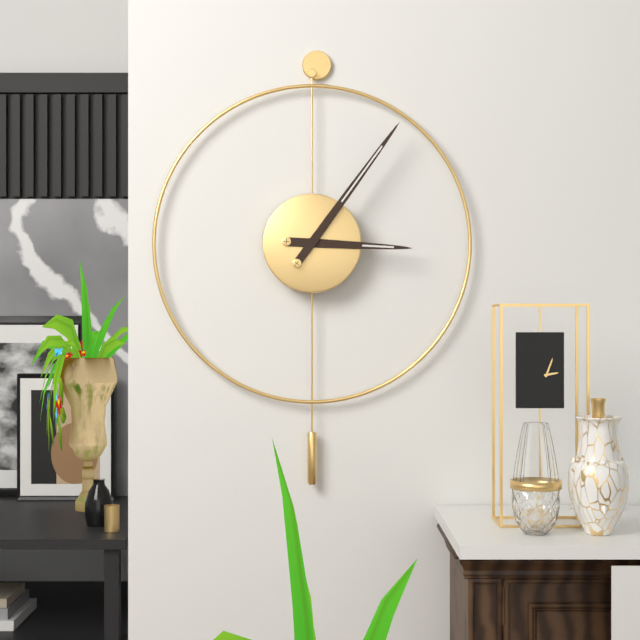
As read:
{"hour": 3, "minute": 6}
